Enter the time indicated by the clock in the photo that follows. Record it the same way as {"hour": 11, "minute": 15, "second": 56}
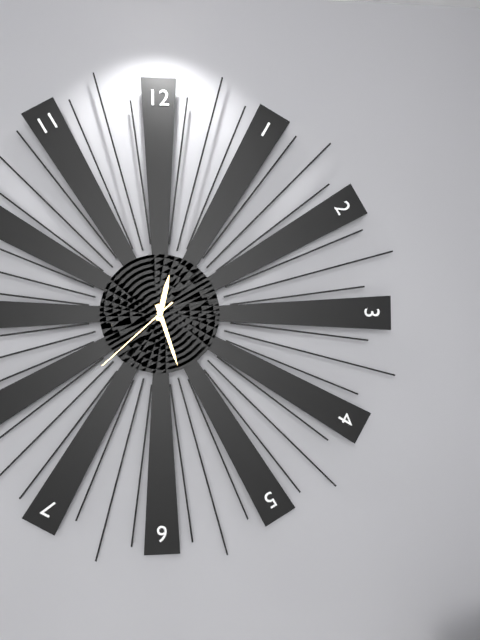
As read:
{"hour": 12, "minute": 27, "second": 38}
